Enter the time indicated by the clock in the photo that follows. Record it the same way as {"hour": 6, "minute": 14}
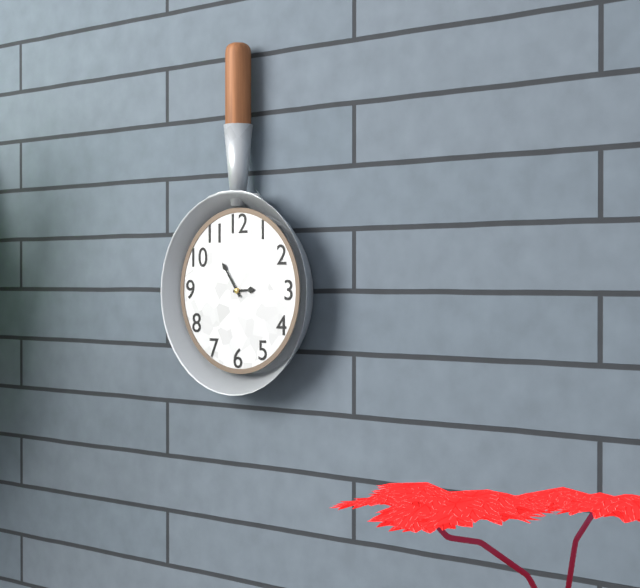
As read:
{"hour": 2, "minute": 54}
